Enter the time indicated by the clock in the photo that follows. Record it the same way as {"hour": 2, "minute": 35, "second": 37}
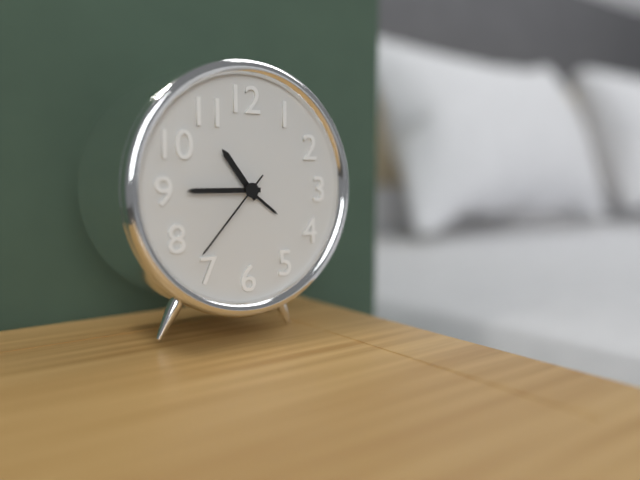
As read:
{"hour": 10, "minute": 45, "second": 37}
